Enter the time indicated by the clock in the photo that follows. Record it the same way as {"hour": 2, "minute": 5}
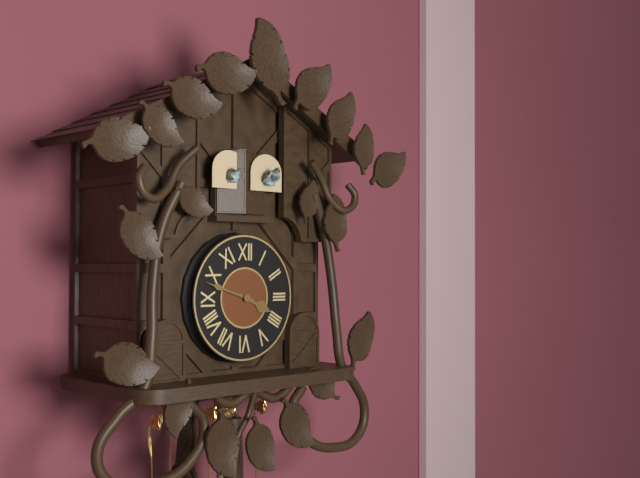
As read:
{"hour": 3, "minute": 48}
